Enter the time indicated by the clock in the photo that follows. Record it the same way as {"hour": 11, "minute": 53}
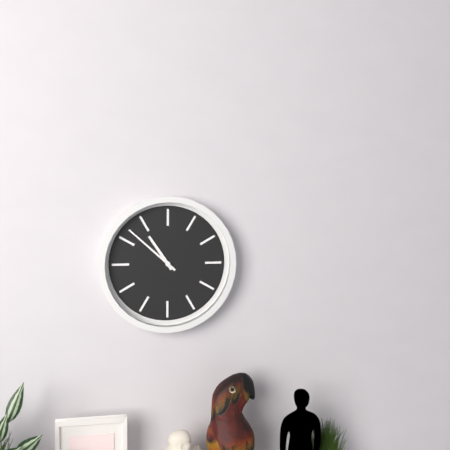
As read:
{"hour": 10, "minute": 52}
